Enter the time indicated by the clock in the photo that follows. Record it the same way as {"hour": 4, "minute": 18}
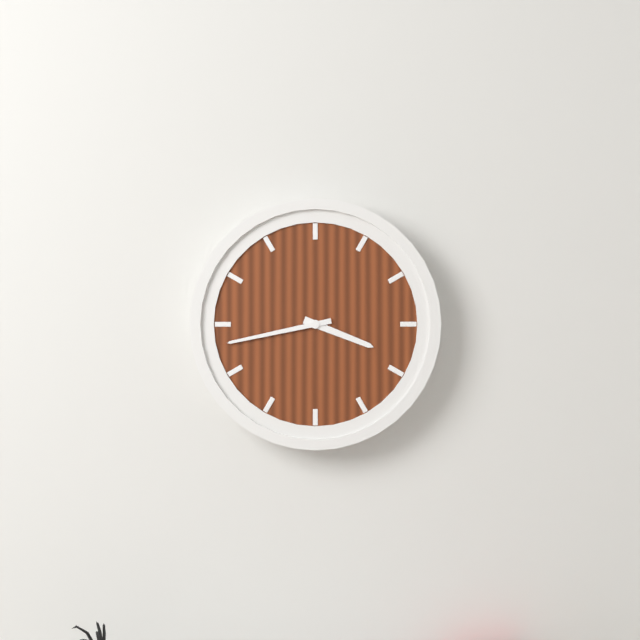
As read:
{"hour": 3, "minute": 43}
